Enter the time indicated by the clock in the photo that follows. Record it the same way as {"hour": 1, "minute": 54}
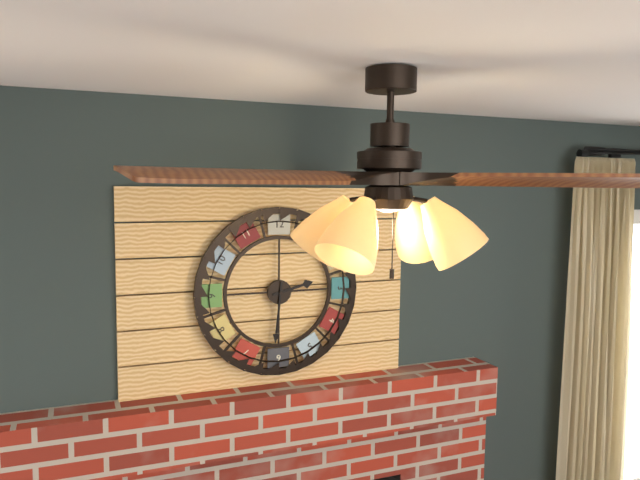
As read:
{"hour": 2, "minute": 31}
